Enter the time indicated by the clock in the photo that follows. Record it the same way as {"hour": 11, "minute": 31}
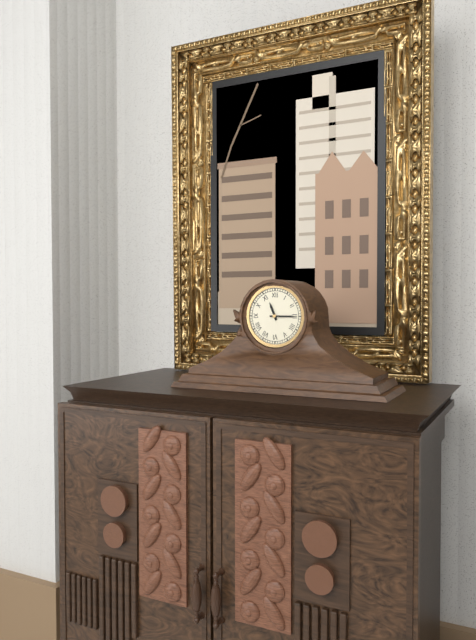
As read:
{"hour": 11, "minute": 15}
